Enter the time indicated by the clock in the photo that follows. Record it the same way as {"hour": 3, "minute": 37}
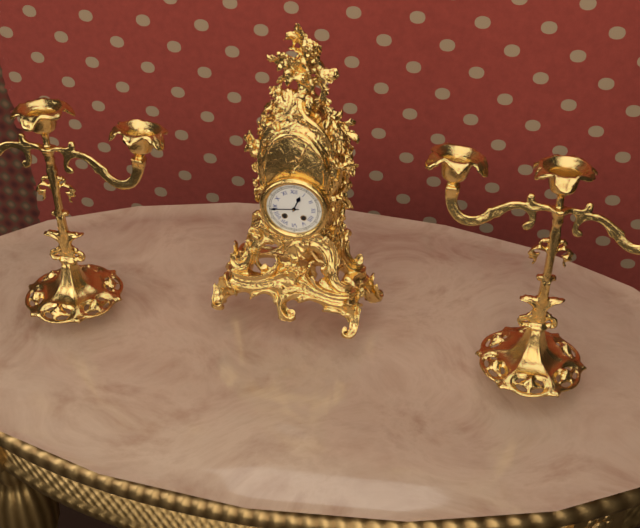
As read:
{"hour": 12, "minute": 44}
